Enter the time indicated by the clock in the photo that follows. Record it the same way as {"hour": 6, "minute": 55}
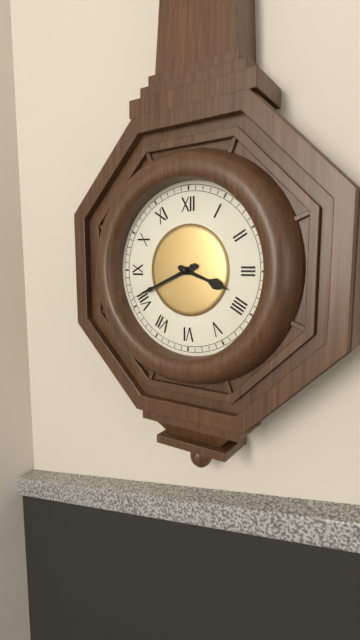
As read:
{"hour": 3, "minute": 41}
